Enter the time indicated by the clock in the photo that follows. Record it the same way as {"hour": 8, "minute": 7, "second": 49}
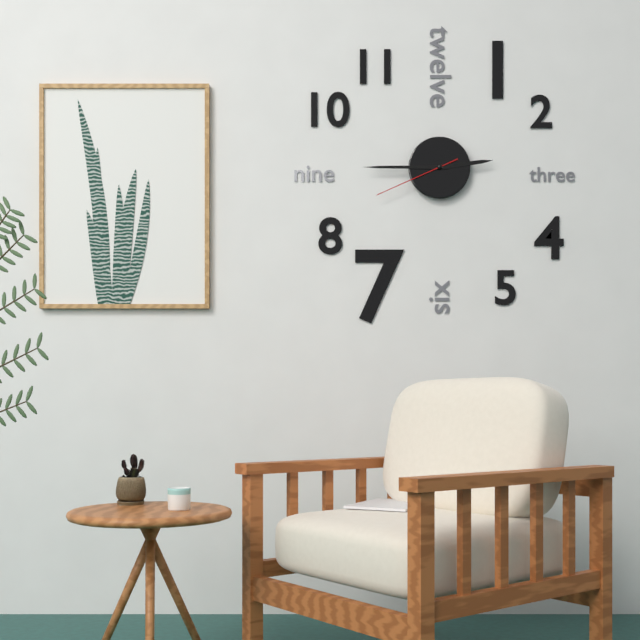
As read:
{"hour": 2, "minute": 45, "second": 41}
